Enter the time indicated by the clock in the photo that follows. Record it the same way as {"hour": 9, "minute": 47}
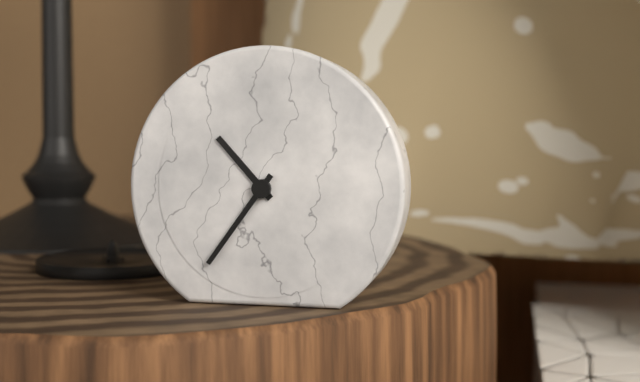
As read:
{"hour": 10, "minute": 36}
